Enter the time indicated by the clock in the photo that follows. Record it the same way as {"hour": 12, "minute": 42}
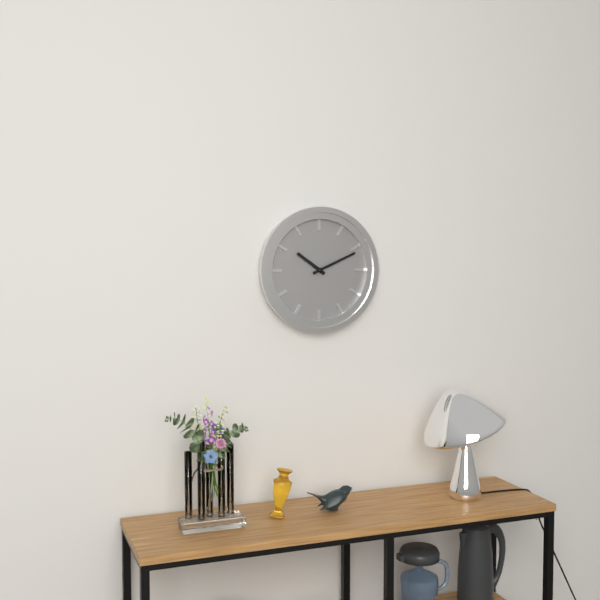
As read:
{"hour": 10, "minute": 11}
